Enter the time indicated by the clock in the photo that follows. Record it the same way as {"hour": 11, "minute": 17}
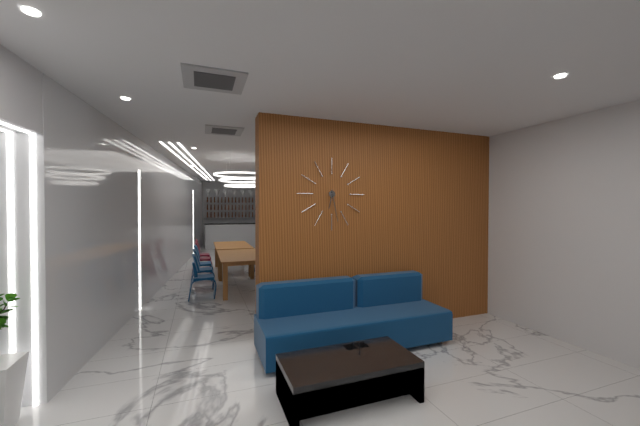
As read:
{"hour": 6, "minute": 28}
